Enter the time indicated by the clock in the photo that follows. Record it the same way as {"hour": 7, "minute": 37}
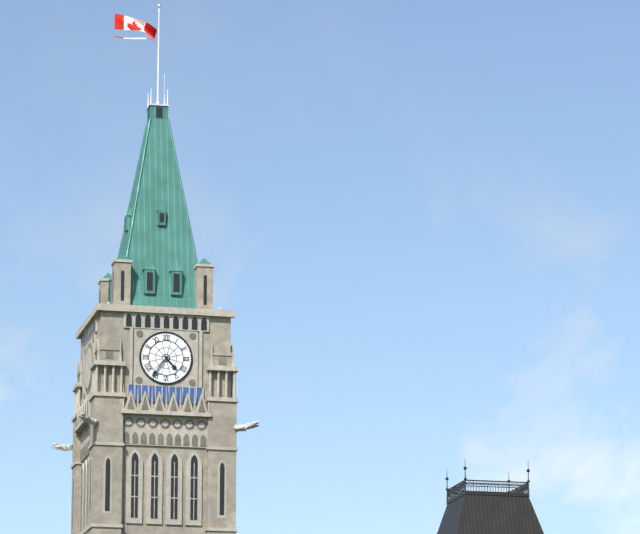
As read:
{"hour": 4, "minute": 36}
